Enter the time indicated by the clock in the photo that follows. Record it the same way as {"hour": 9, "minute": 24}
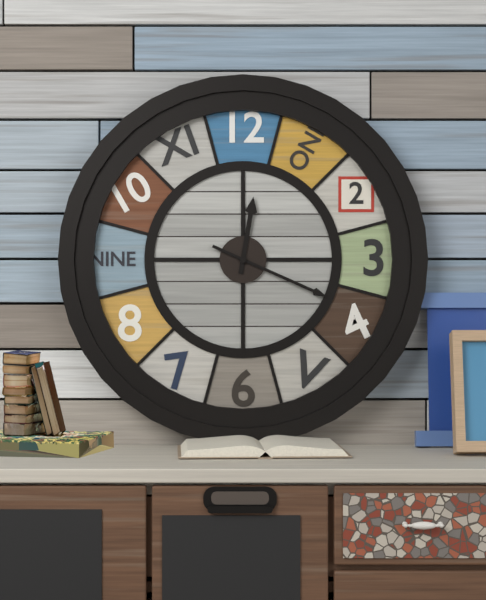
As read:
{"hour": 12, "minute": 19}
